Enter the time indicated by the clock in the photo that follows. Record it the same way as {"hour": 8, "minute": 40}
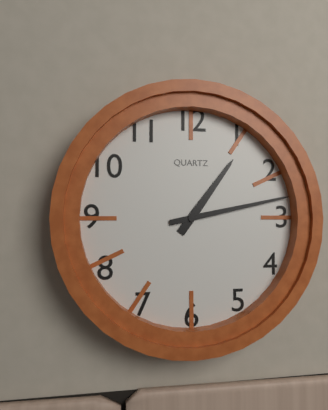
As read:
{"hour": 1, "minute": 13}
